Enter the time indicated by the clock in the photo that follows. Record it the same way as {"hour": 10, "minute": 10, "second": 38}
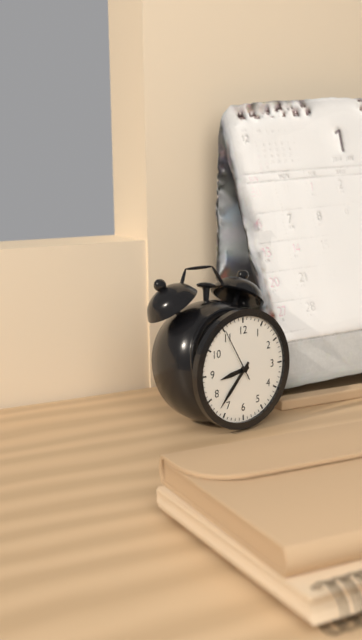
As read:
{"hour": 8, "minute": 37, "second": 55}
